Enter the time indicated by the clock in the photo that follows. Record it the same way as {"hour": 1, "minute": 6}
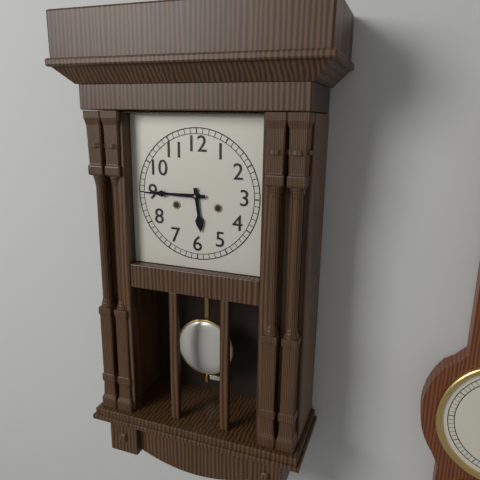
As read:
{"hour": 5, "minute": 45}
